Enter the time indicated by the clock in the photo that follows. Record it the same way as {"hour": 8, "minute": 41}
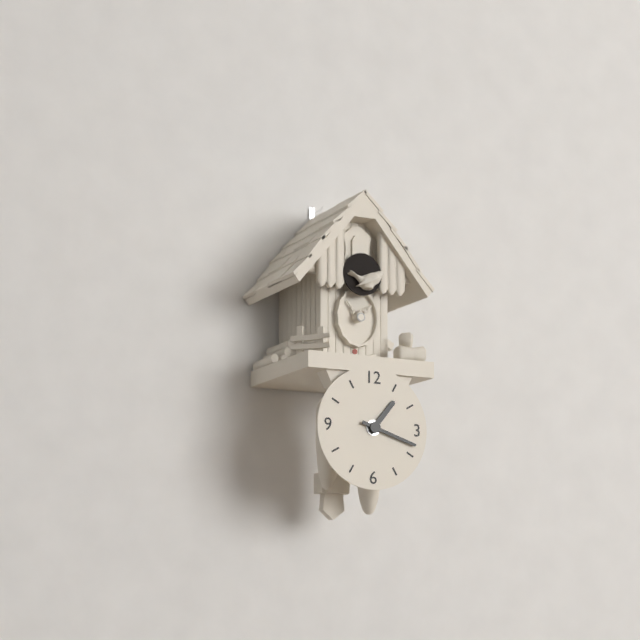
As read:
{"hour": 1, "minute": 18}
